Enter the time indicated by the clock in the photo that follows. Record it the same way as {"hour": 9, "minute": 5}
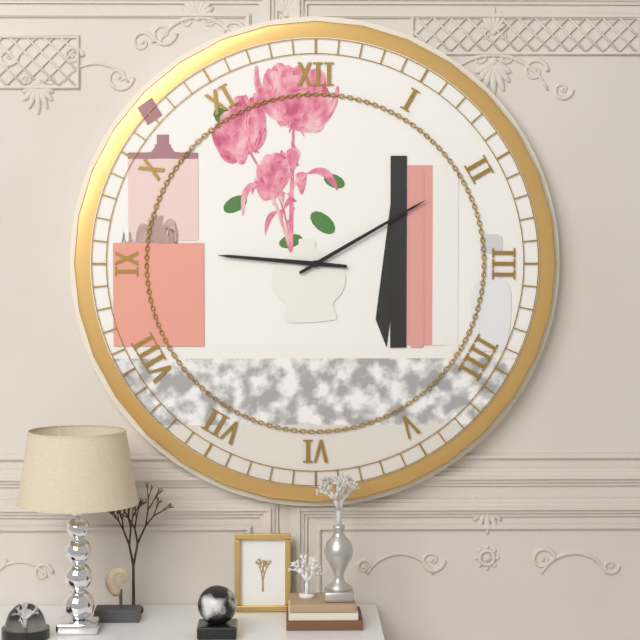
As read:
{"hour": 9, "minute": 10}
